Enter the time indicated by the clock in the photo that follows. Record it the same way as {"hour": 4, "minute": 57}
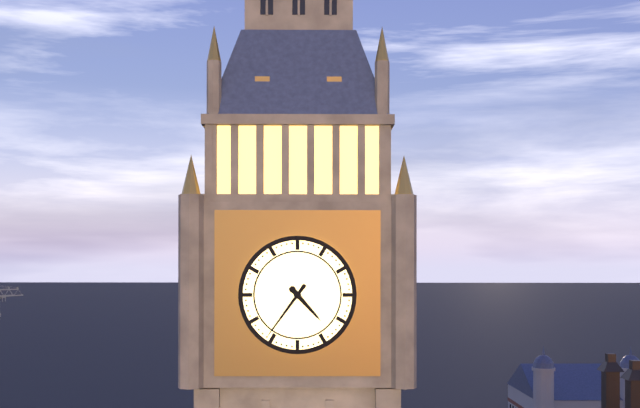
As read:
{"hour": 4, "minute": 36}
